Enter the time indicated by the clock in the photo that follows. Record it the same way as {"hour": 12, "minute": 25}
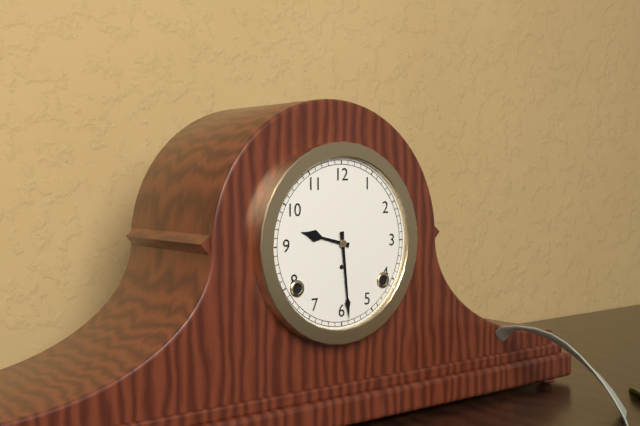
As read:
{"hour": 9, "minute": 29}
